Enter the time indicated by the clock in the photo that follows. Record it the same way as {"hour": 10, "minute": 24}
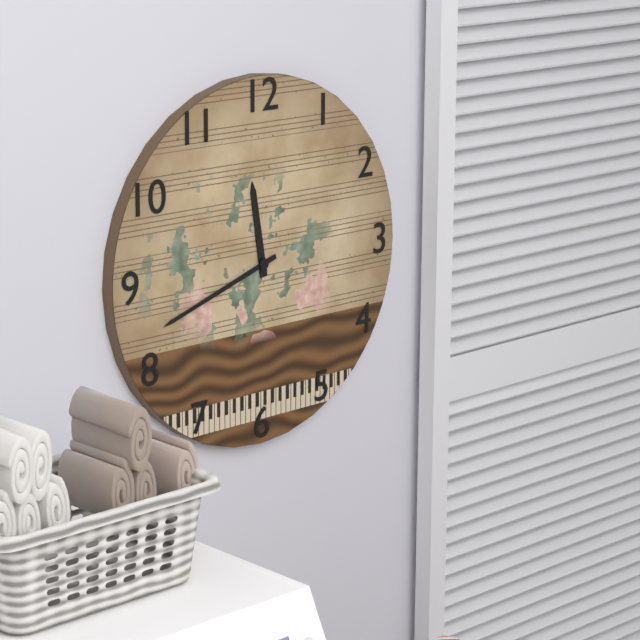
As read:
{"hour": 11, "minute": 42}
